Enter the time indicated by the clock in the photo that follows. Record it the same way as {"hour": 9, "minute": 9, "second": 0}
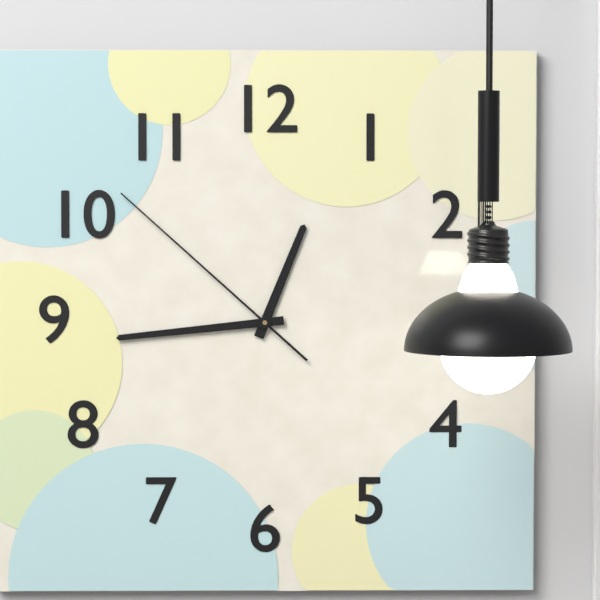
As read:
{"hour": 12, "minute": 44, "second": 52}
